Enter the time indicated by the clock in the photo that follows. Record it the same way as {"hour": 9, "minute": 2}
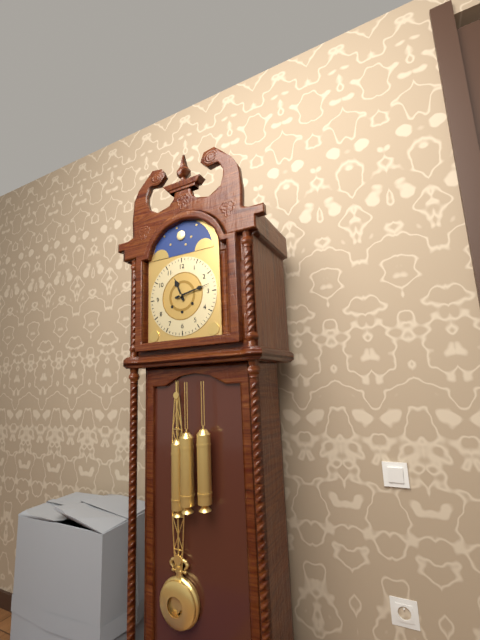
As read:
{"hour": 11, "minute": 13}
